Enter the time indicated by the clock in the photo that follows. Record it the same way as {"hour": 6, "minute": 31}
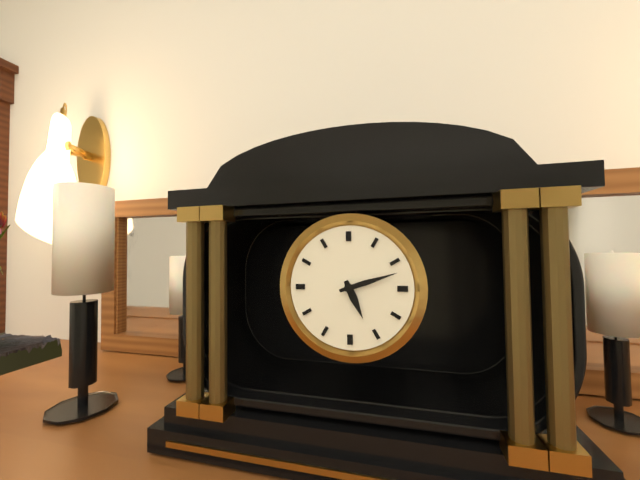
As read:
{"hour": 5, "minute": 12}
